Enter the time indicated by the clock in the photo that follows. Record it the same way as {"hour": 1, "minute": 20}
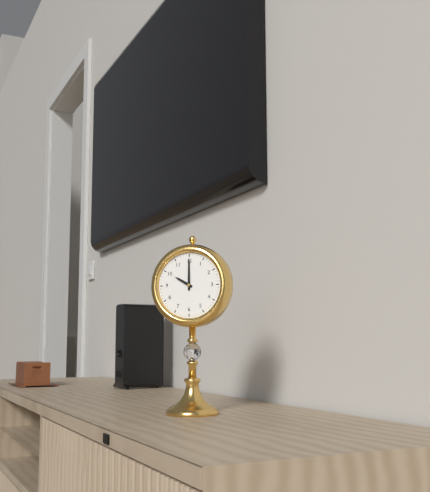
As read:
{"hour": 10, "minute": 0}
